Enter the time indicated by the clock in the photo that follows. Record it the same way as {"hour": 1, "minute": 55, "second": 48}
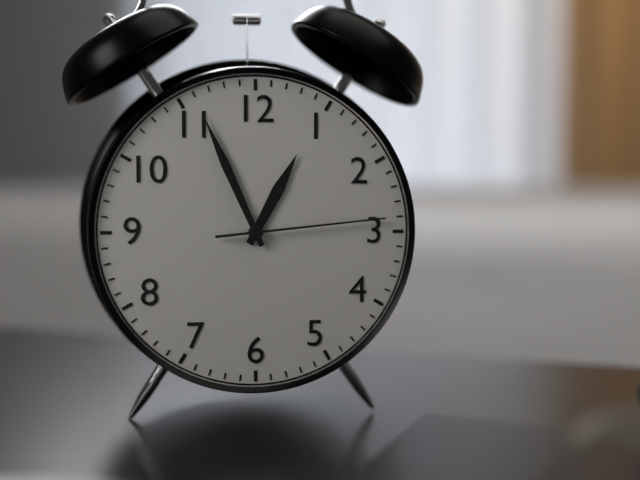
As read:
{"hour": 12, "minute": 56, "second": 14}
